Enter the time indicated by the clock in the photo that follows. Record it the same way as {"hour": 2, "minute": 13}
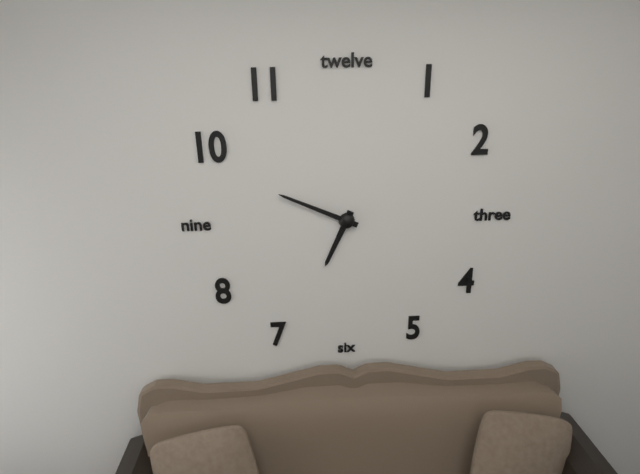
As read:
{"hour": 6, "minute": 49}
